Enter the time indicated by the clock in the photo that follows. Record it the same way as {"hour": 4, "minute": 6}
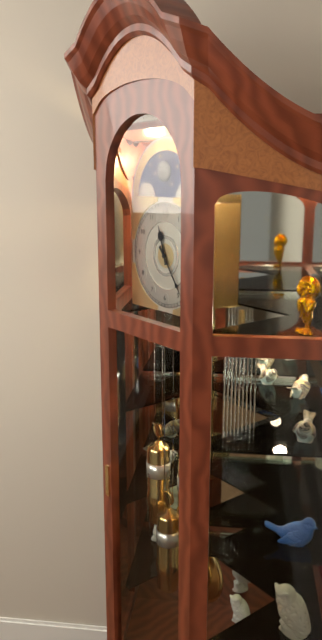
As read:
{"hour": 11, "minute": 24}
